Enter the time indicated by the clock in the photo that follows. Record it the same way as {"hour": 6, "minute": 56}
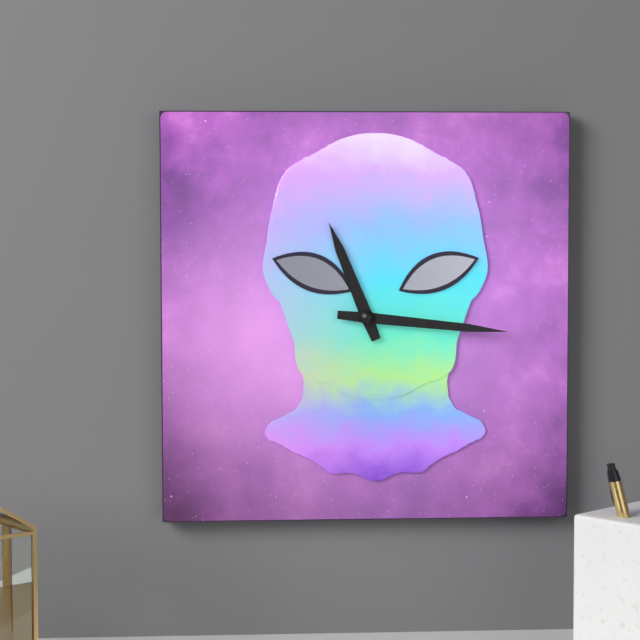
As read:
{"hour": 11, "minute": 16}
